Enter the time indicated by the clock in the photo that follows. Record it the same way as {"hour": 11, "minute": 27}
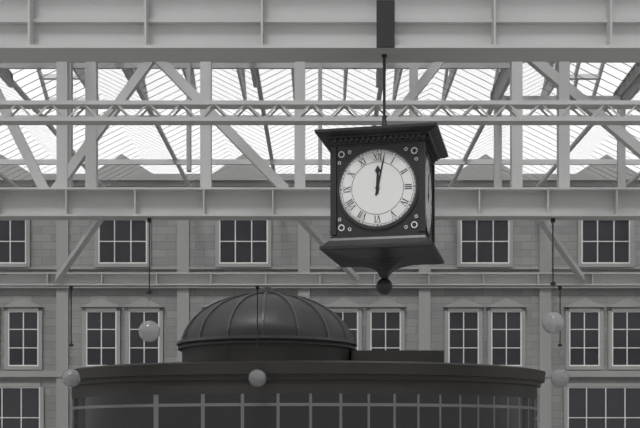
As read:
{"hour": 12, "minute": 2}
